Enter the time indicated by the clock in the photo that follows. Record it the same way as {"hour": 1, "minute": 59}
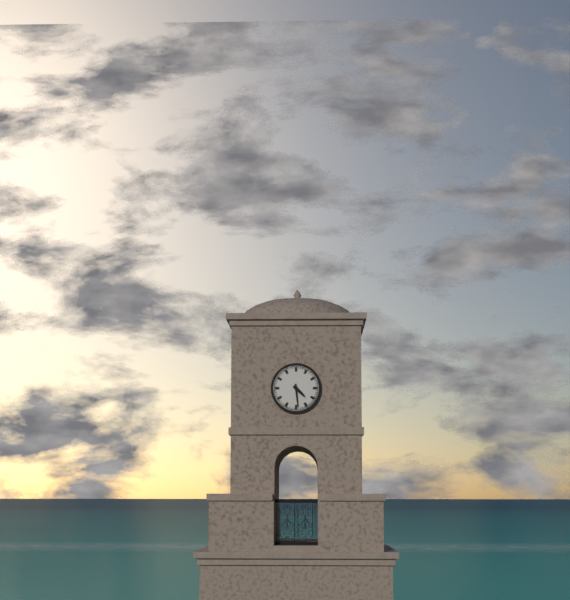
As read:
{"hour": 4, "minute": 29}
